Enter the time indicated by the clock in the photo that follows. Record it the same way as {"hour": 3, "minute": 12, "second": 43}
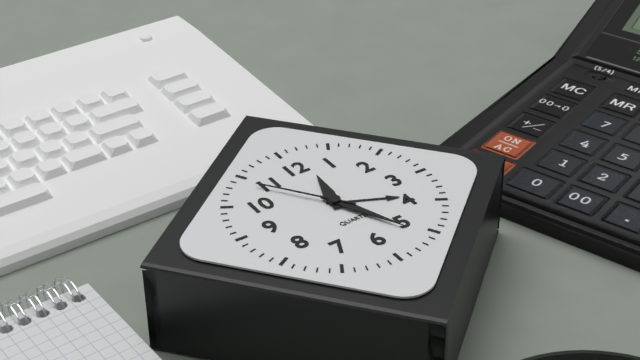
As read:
{"hour": 12, "minute": 26, "second": 54}
